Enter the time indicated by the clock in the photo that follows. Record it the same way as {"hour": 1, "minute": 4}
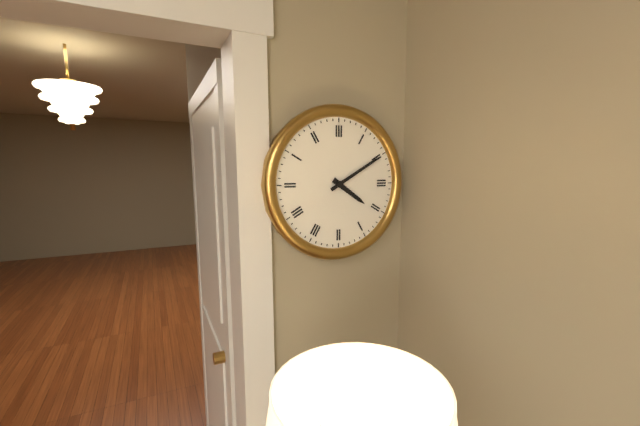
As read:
{"hour": 4, "minute": 10}
